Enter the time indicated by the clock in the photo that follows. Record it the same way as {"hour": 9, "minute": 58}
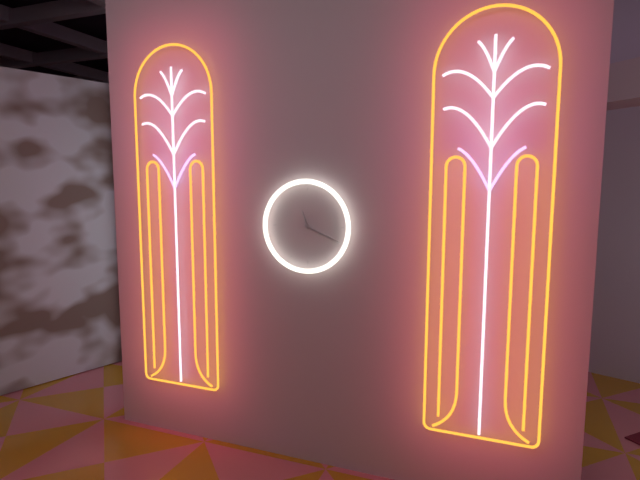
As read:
{"hour": 11, "minute": 19}
